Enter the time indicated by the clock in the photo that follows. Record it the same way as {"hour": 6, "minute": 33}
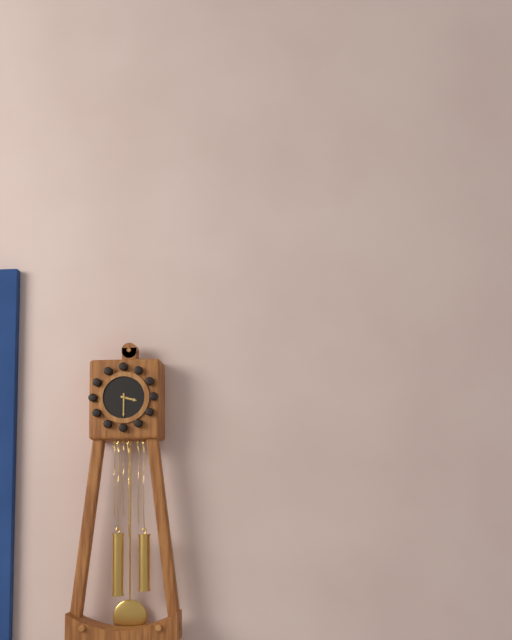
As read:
{"hour": 3, "minute": 30}
